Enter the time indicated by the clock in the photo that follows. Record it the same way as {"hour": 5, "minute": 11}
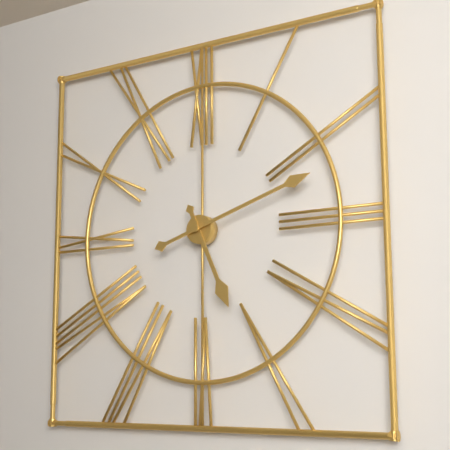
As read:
{"hour": 5, "minute": 12}
